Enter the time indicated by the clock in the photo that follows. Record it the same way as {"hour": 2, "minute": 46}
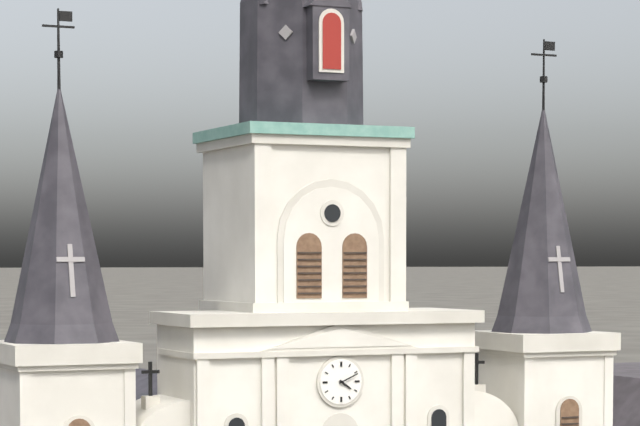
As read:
{"hour": 4, "minute": 11}
